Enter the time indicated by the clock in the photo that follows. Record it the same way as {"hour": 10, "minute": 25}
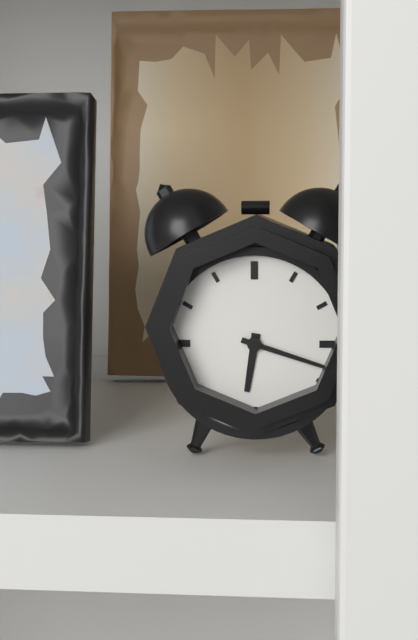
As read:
{"hour": 6, "minute": 18}
